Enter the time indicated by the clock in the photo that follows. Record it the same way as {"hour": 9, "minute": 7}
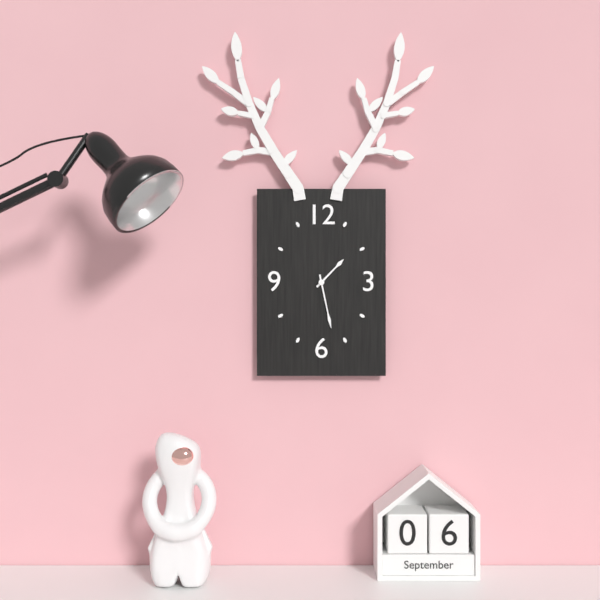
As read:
{"hour": 1, "minute": 28}
